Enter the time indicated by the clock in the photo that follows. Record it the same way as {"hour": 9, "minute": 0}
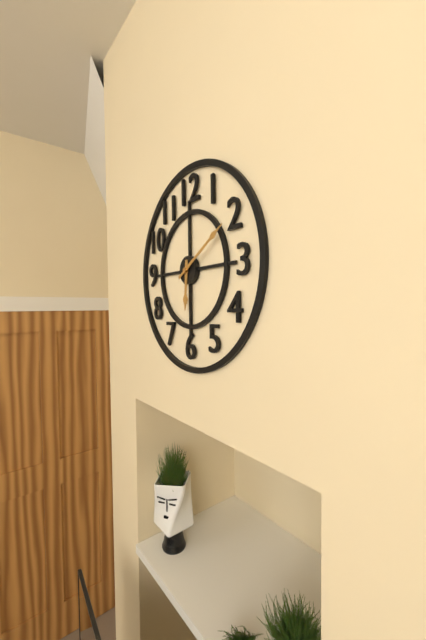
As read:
{"hour": 6, "minute": 10}
